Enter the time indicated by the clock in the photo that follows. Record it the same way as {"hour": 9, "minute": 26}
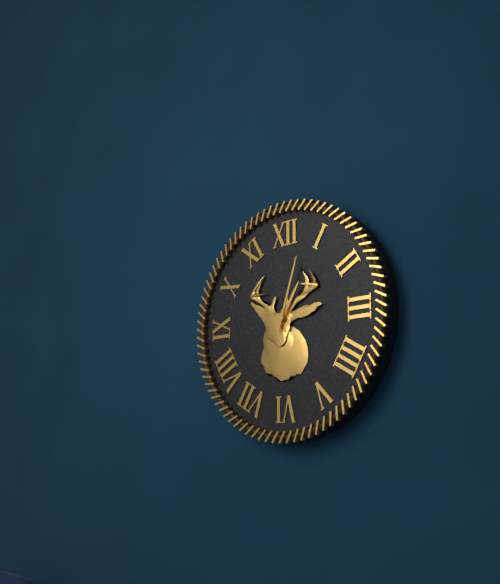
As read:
{"hour": 1, "minute": 3}
